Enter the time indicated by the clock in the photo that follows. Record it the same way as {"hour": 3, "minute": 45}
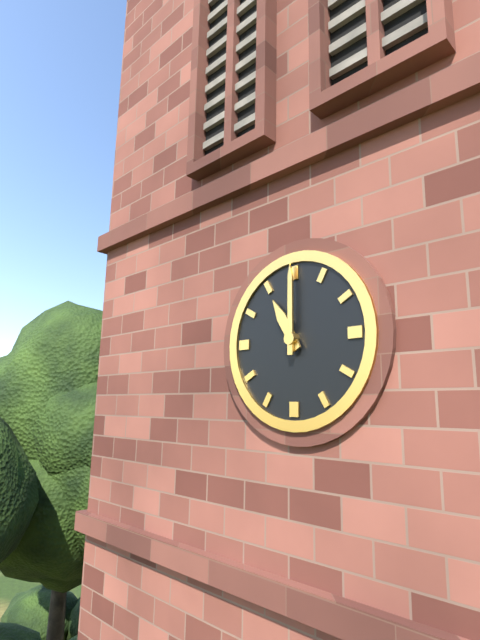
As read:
{"hour": 11, "minute": 0}
